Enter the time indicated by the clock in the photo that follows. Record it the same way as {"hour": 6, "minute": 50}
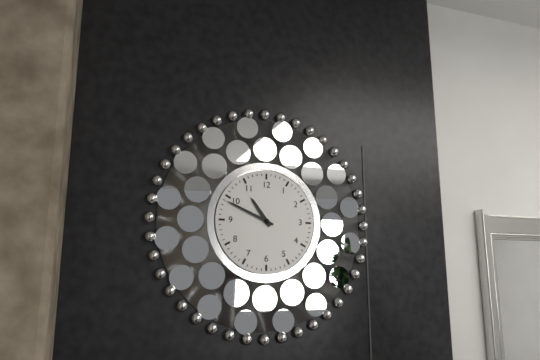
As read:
{"hour": 10, "minute": 49}
